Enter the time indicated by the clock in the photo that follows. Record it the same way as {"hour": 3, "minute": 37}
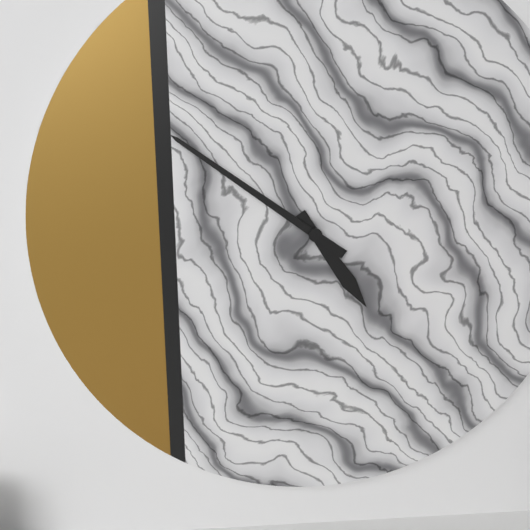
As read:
{"hour": 4, "minute": 51}
